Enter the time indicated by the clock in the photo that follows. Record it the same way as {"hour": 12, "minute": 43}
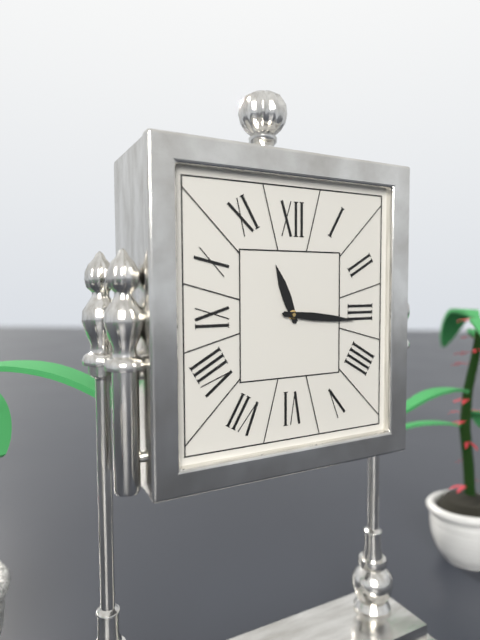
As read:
{"hour": 11, "minute": 16}
